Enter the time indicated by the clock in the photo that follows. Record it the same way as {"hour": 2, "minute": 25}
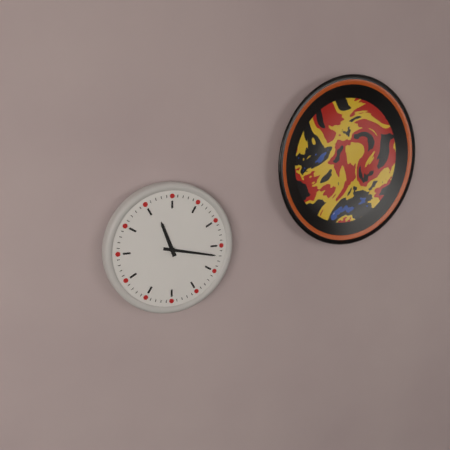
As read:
{"hour": 11, "minute": 17}
